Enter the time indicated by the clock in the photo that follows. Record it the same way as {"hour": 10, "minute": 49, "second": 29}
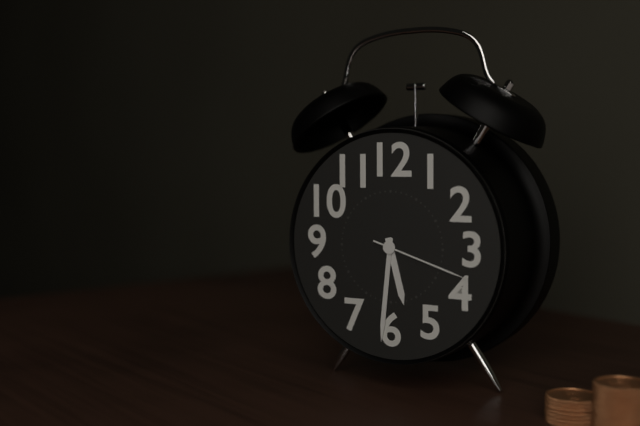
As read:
{"hour": 5, "minute": 31, "second": 18}
